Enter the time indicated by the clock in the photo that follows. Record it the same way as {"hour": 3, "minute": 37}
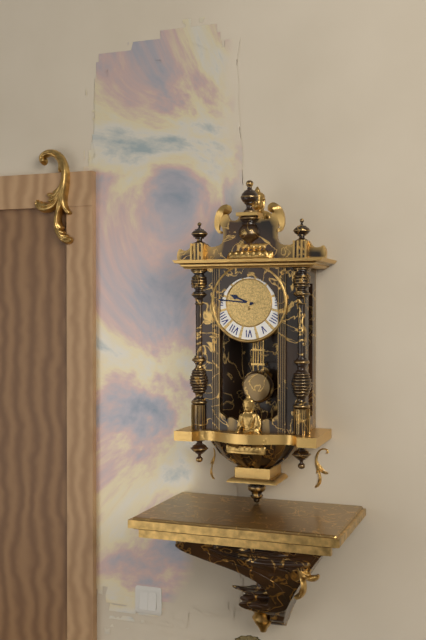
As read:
{"hour": 9, "minute": 46}
